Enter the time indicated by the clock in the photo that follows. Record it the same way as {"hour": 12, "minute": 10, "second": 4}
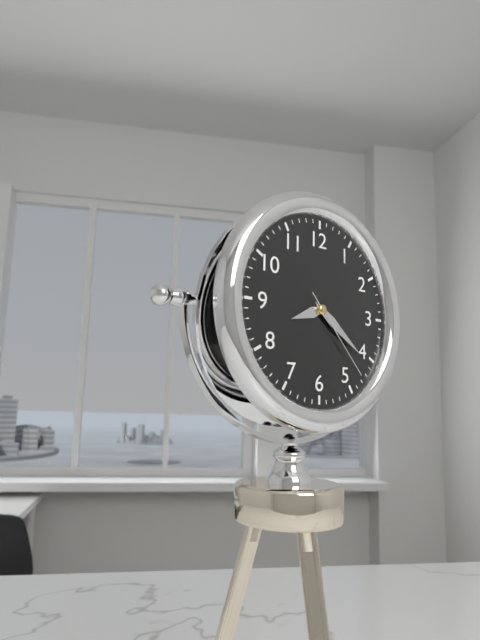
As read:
{"hour": 8, "minute": 21, "second": 23}
